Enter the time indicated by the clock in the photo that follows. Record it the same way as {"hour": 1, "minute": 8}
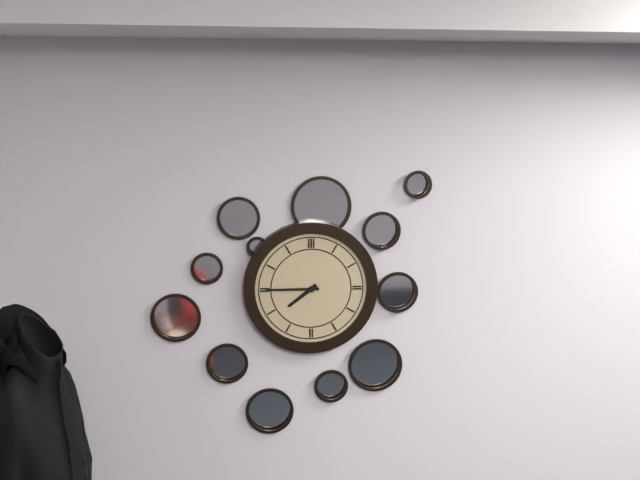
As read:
{"hour": 7, "minute": 45}
